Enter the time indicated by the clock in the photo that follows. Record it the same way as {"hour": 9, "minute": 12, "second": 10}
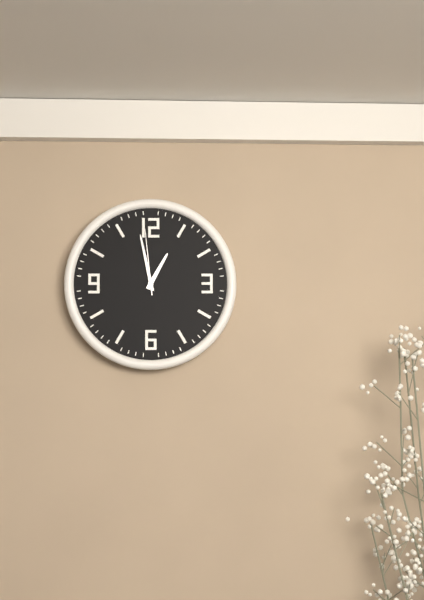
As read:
{"hour": 12, "minute": 58, "second": 59}
